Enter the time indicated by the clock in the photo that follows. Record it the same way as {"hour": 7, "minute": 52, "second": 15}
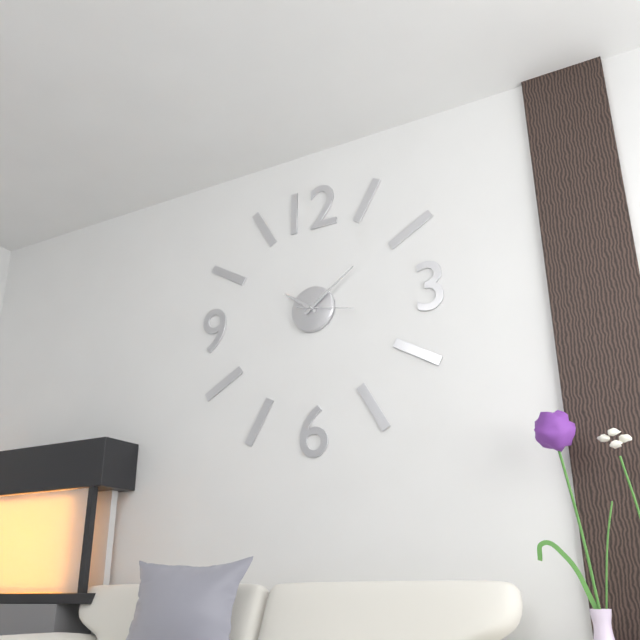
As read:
{"hour": 10, "minute": 9, "second": 17}
